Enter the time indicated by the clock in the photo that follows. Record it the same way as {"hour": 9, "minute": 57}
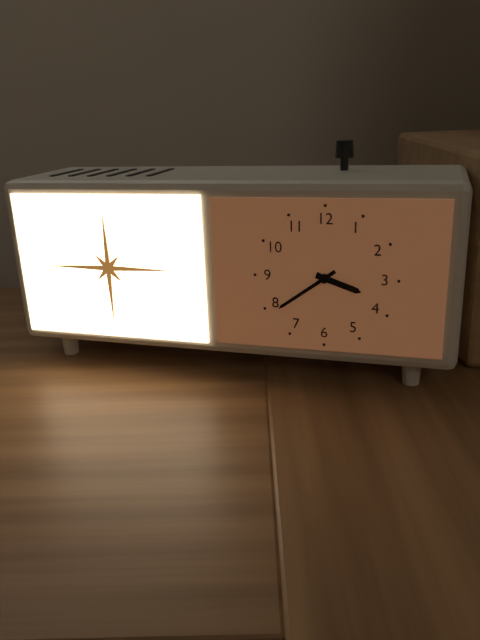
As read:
{"hour": 3, "minute": 39}
